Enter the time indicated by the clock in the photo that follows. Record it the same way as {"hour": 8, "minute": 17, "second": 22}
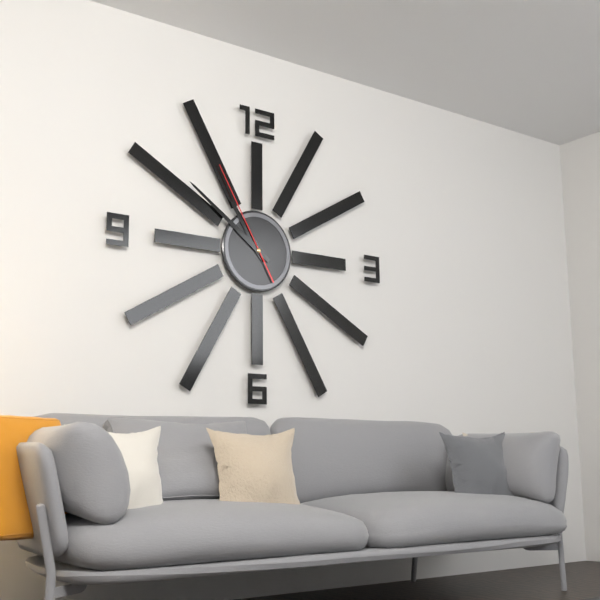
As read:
{"hour": 10, "minute": 51, "second": 55}
